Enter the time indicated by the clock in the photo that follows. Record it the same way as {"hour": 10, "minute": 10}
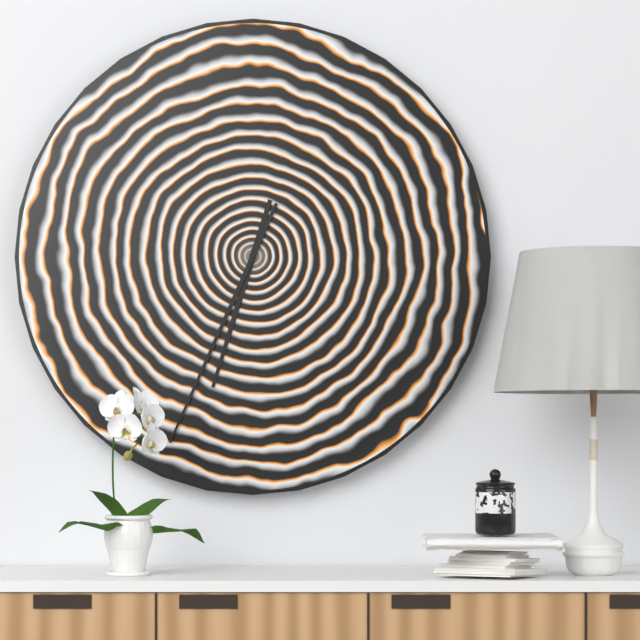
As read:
{"hour": 6, "minute": 34}
